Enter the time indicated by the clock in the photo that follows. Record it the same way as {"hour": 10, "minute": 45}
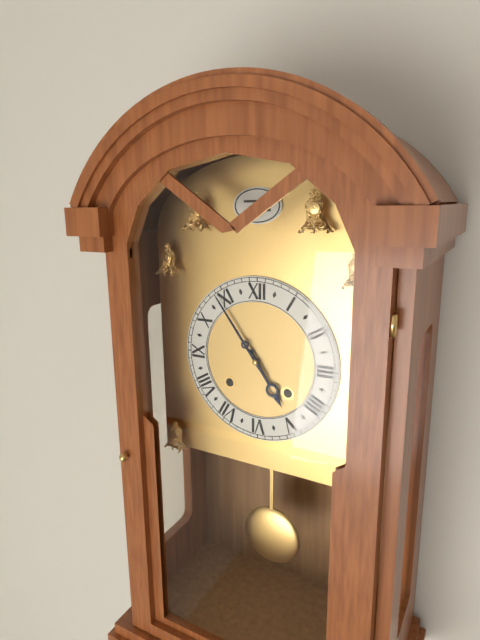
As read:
{"hour": 4, "minute": 54}
